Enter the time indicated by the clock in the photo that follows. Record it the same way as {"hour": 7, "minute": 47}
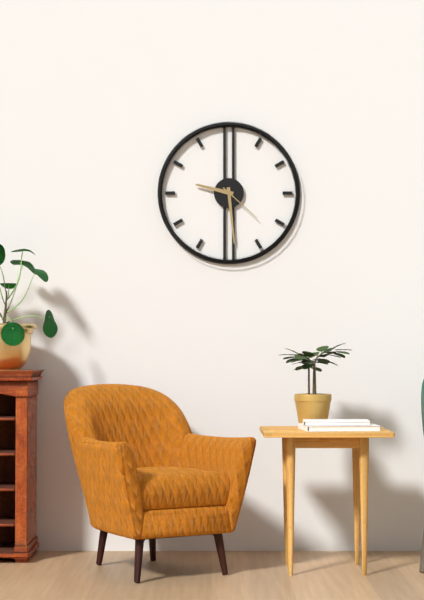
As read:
{"hour": 9, "minute": 29}
